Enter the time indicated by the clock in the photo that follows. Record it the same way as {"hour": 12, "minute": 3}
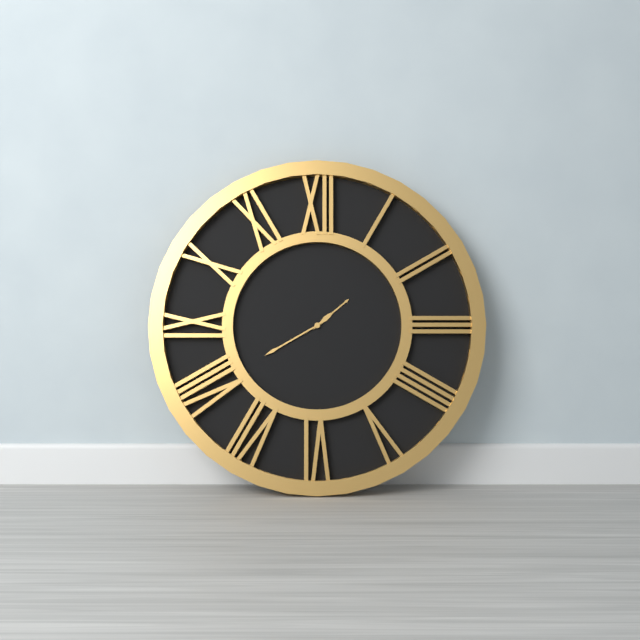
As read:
{"hour": 1, "minute": 40}
